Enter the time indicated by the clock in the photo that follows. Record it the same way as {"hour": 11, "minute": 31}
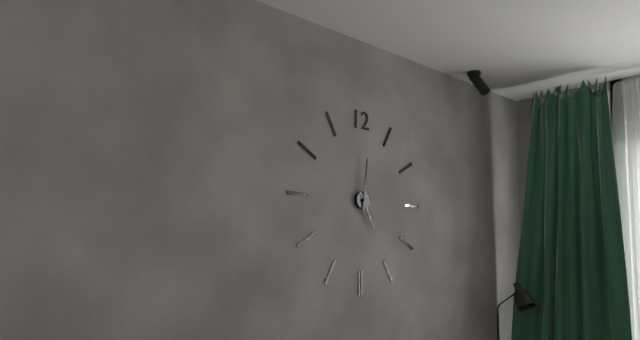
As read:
{"hour": 5, "minute": 1}
